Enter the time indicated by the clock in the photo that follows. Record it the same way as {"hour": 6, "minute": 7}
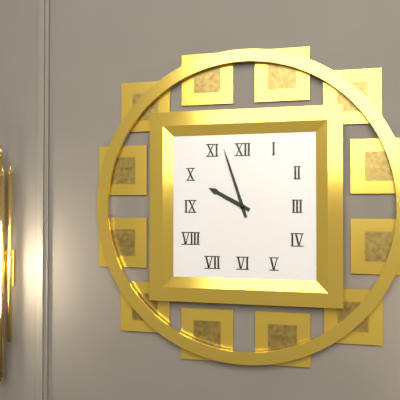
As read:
{"hour": 9, "minute": 57}
